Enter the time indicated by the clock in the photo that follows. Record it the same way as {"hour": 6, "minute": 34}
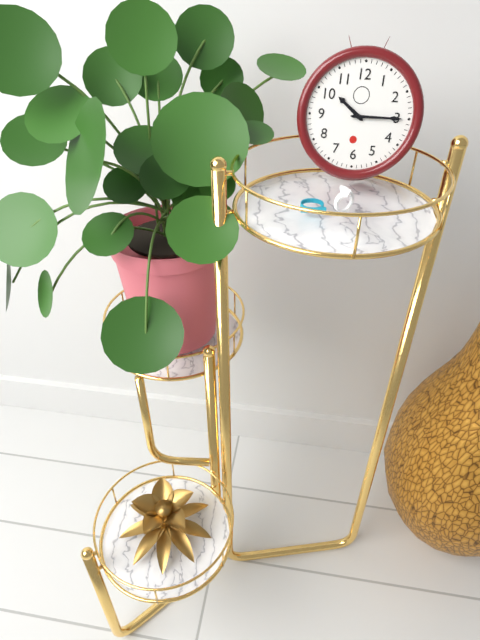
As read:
{"hour": 10, "minute": 15}
